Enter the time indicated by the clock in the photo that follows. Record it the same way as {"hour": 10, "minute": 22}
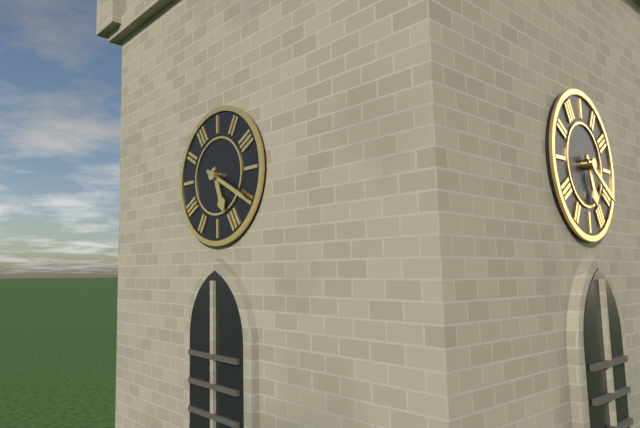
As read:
{"hour": 5, "minute": 20}
